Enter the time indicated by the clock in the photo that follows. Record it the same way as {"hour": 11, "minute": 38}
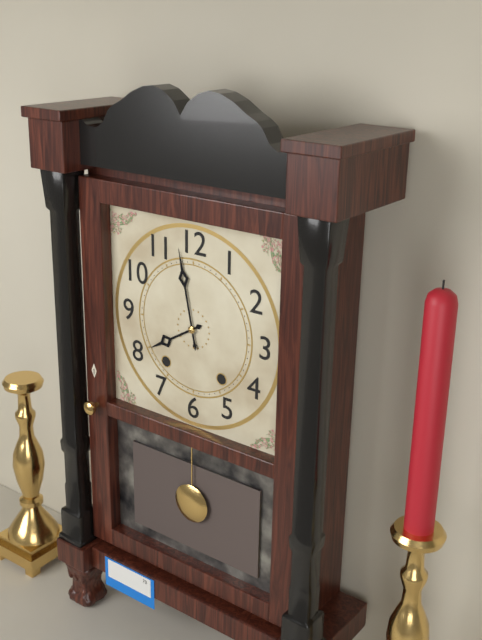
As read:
{"hour": 7, "minute": 58}
